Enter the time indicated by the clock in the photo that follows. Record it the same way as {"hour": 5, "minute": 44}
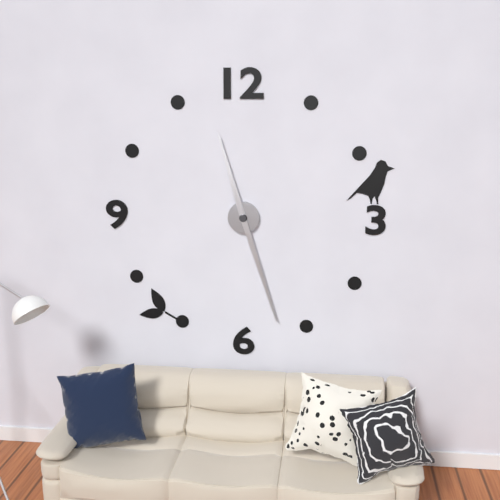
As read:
{"hour": 11, "minute": 27}
